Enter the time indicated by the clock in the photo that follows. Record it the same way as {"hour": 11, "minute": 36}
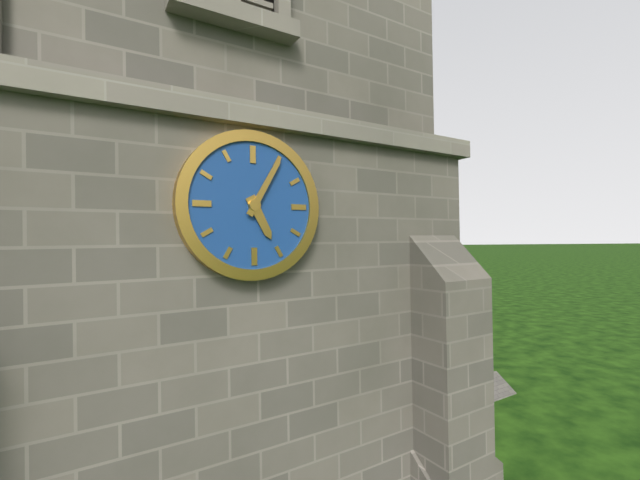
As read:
{"hour": 5, "minute": 5}
